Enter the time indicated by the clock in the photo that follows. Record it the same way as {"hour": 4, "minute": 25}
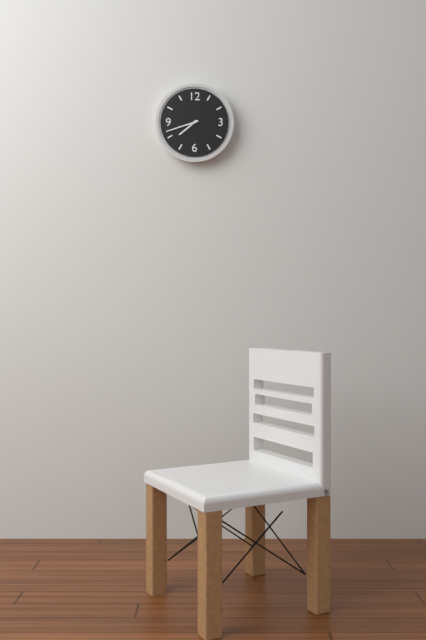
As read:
{"hour": 7, "minute": 42}
